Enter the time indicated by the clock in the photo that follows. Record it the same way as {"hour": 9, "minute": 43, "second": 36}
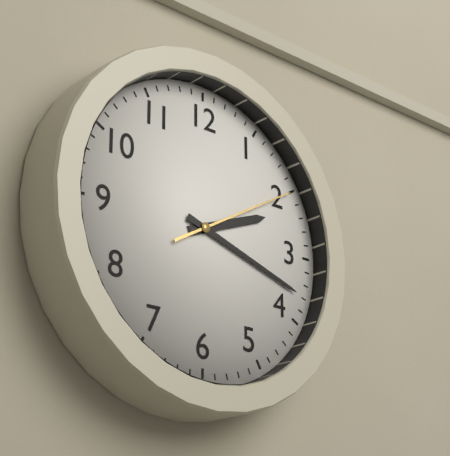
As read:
{"hour": 2, "minute": 18, "second": 10}
